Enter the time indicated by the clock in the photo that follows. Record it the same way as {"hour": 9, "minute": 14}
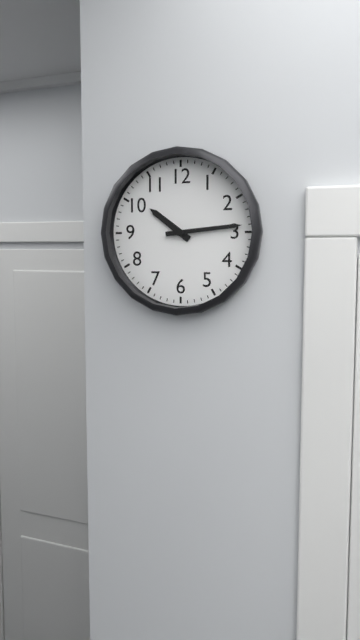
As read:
{"hour": 10, "minute": 14}
